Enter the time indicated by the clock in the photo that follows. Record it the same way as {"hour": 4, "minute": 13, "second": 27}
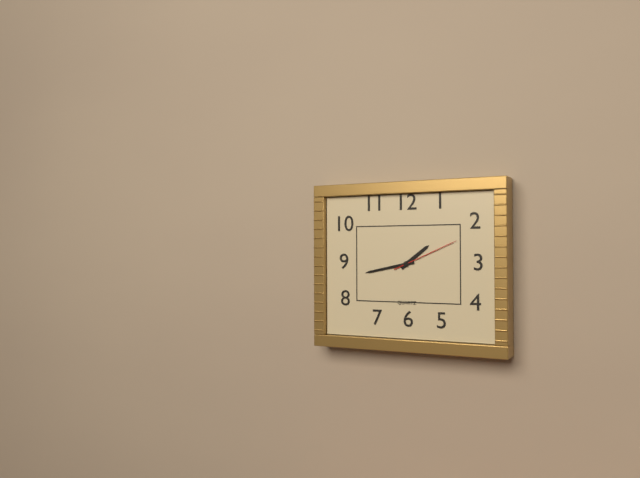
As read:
{"hour": 1, "minute": 43, "second": 11}
